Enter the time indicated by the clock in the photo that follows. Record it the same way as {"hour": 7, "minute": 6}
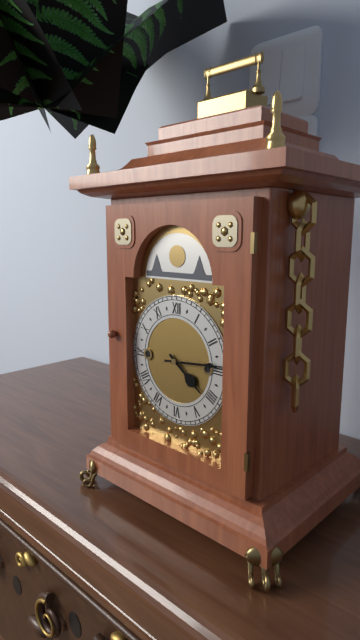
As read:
{"hour": 4, "minute": 14}
